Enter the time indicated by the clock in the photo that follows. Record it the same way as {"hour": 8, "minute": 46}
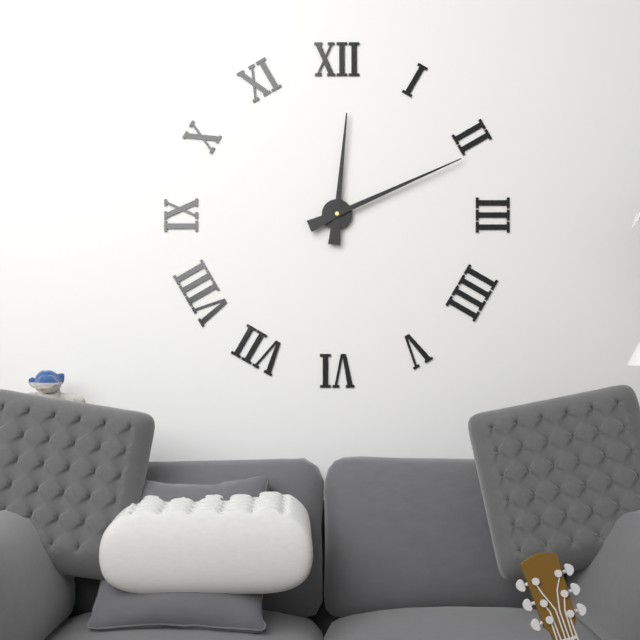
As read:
{"hour": 12, "minute": 11}
